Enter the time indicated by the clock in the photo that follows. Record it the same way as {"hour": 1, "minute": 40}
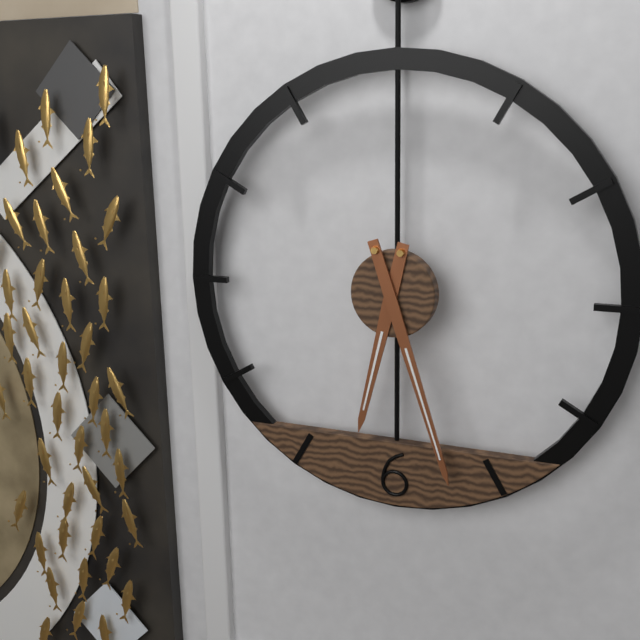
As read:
{"hour": 6, "minute": 27}
